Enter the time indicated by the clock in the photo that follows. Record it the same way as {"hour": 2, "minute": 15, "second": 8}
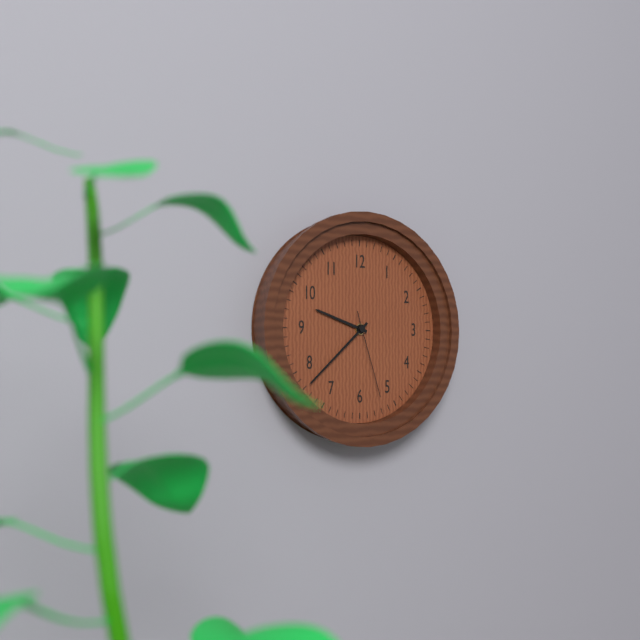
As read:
{"hour": 9, "minute": 38, "second": 27}
